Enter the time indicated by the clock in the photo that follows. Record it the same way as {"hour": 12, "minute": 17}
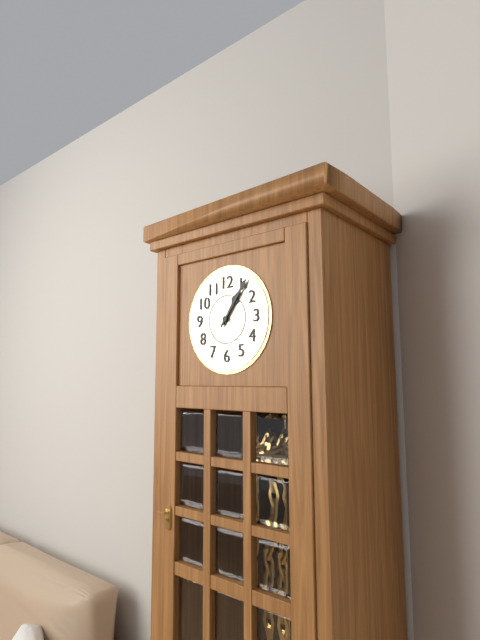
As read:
{"hour": 1, "minute": 6}
